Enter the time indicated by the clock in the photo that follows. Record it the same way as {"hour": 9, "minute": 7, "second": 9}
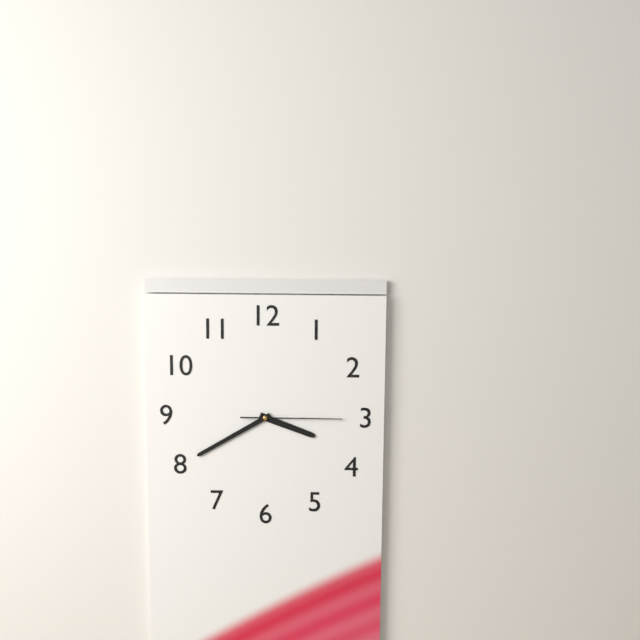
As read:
{"hour": 3, "minute": 40, "second": 15}
